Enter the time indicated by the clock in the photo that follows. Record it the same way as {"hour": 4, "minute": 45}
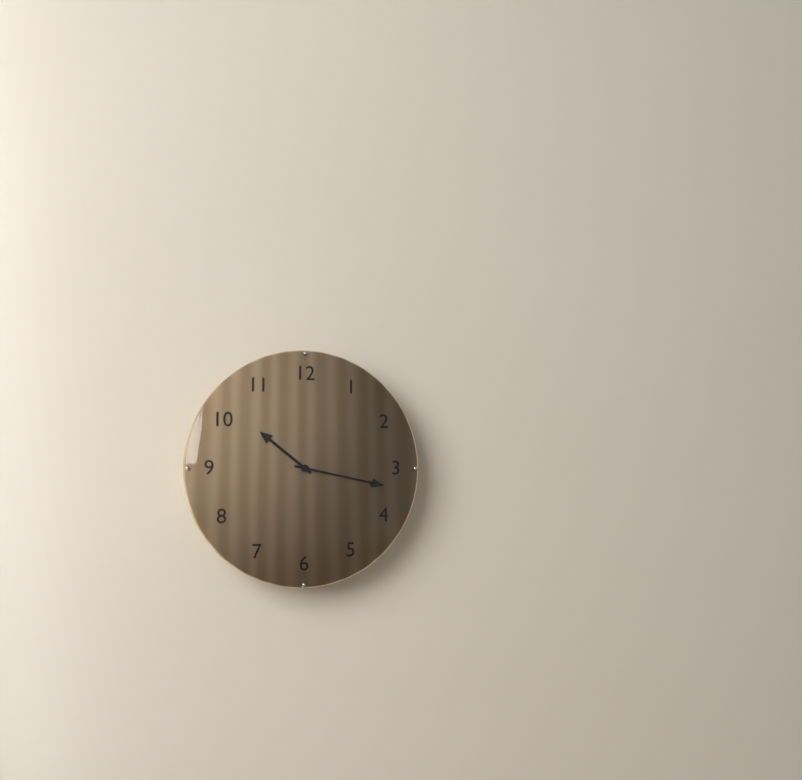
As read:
{"hour": 10, "minute": 17}
